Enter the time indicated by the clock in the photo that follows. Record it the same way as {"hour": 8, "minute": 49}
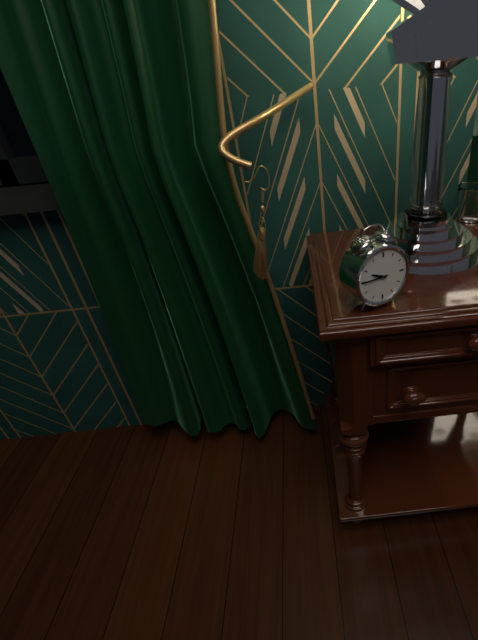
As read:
{"hour": 9, "minute": 45}
